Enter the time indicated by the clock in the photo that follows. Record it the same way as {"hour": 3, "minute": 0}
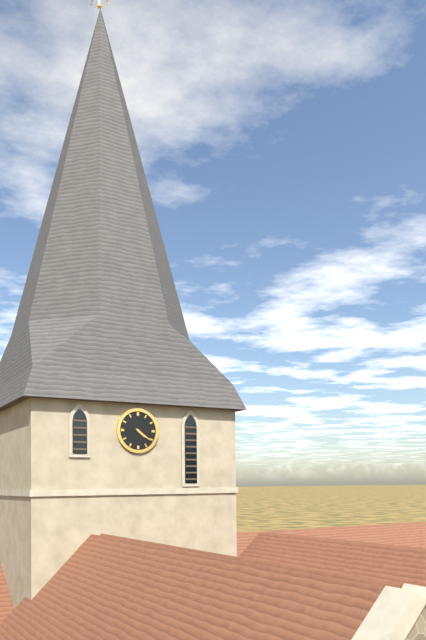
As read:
{"hour": 4, "minute": 21}
